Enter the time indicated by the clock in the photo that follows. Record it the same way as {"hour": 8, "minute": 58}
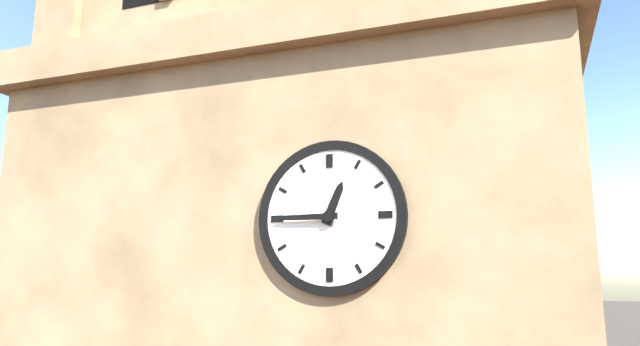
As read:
{"hour": 12, "minute": 45}
